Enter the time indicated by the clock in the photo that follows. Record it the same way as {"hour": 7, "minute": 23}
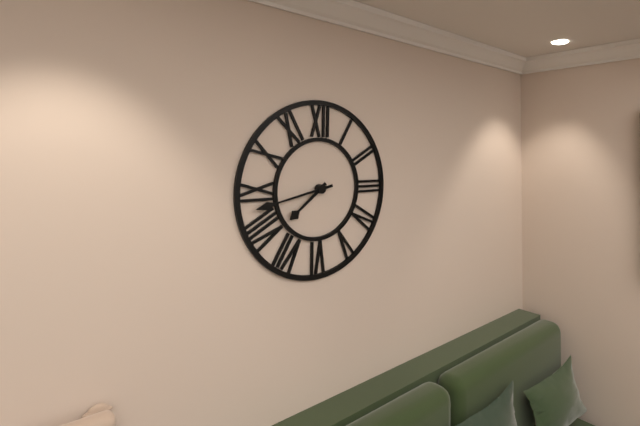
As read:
{"hour": 7, "minute": 43}
